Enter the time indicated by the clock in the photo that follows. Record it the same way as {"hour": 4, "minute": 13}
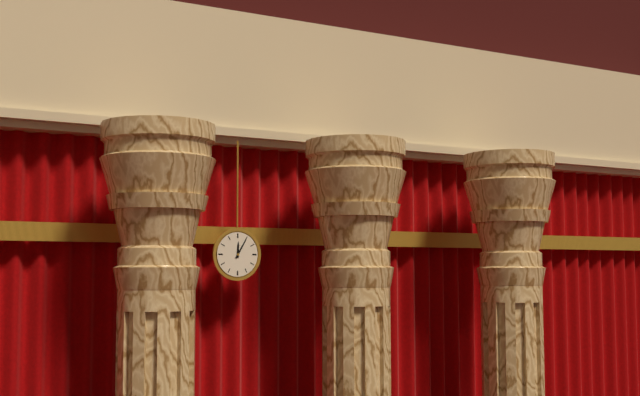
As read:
{"hour": 12, "minute": 5}
